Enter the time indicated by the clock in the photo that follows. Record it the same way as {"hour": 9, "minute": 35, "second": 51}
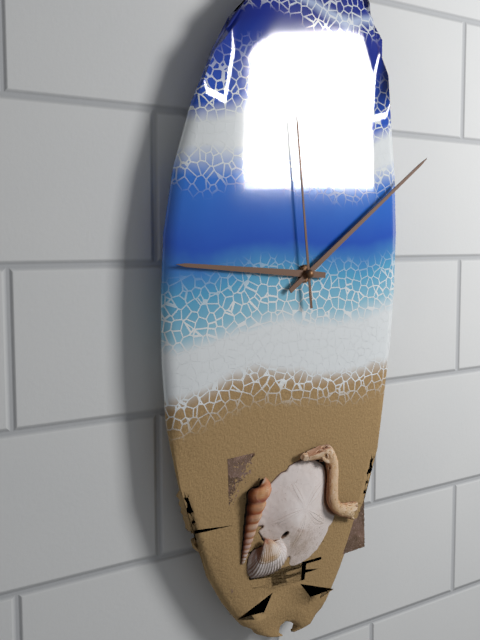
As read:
{"hour": 9, "minute": 9, "second": 59}
